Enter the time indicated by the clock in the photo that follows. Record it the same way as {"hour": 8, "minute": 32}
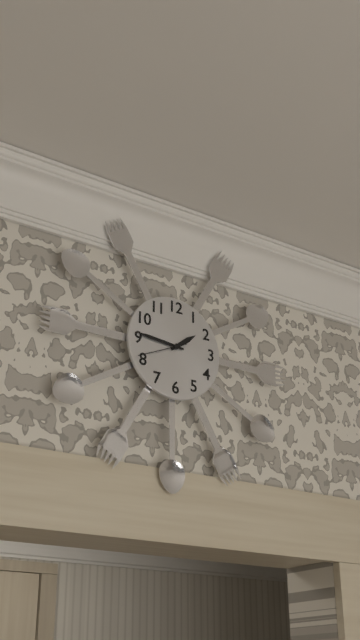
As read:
{"hour": 1, "minute": 46}
